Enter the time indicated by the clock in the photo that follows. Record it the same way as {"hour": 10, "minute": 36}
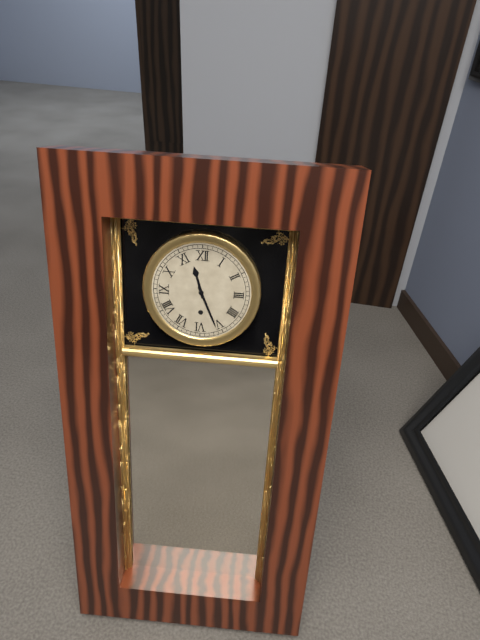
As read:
{"hour": 11, "minute": 26}
